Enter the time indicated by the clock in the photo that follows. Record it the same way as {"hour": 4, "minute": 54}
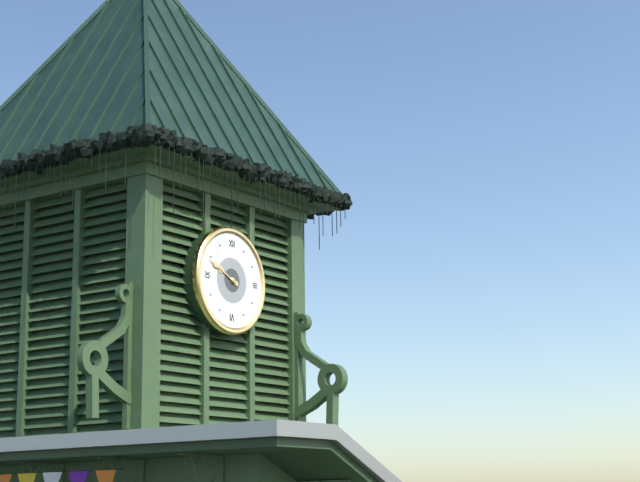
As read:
{"hour": 9, "minute": 49}
